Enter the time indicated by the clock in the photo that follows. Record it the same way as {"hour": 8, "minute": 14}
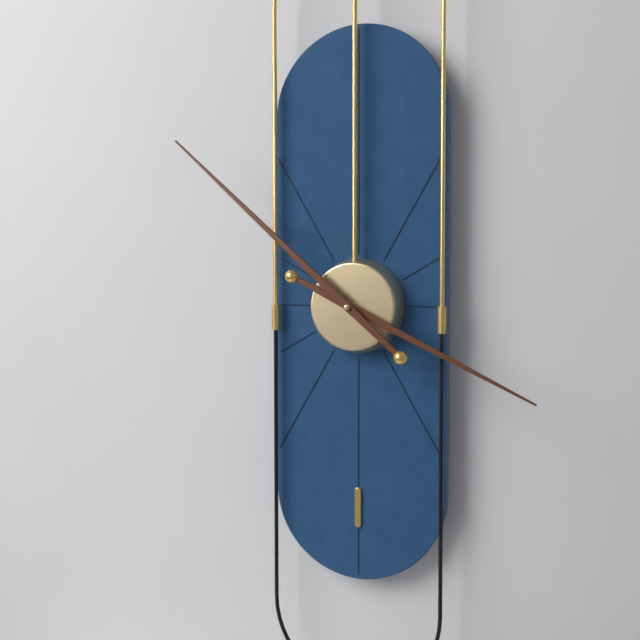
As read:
{"hour": 3, "minute": 52}
